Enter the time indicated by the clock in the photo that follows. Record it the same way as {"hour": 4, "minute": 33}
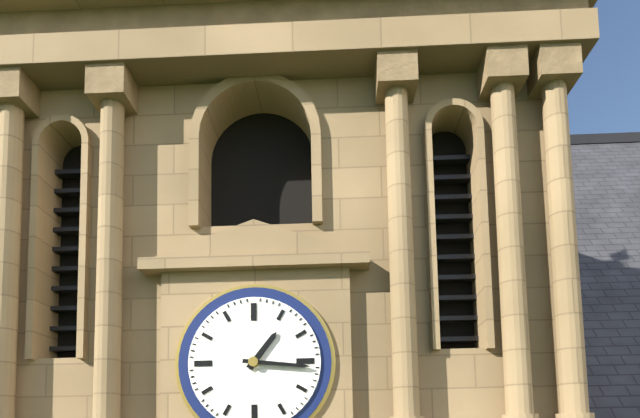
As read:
{"hour": 1, "minute": 16}
